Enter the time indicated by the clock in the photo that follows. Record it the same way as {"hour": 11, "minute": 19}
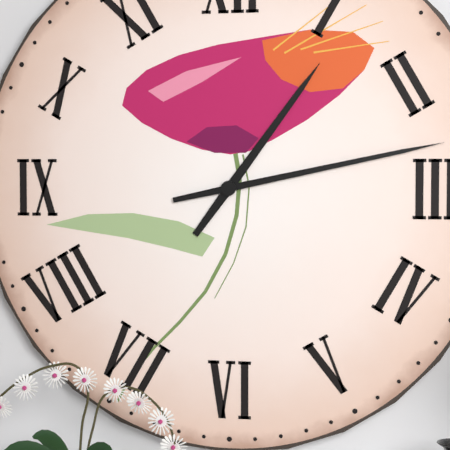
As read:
{"hour": 1, "minute": 13}
